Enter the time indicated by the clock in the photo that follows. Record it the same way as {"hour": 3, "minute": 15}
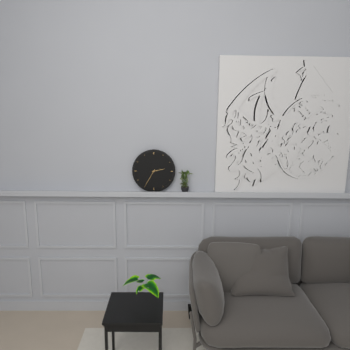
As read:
{"hour": 2, "minute": 35}
